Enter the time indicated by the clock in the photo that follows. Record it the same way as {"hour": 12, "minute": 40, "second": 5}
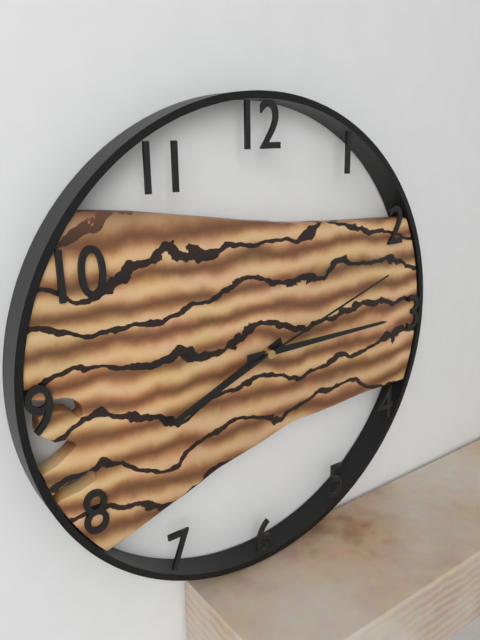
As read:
{"hour": 8, "minute": 15, "second": 12}
